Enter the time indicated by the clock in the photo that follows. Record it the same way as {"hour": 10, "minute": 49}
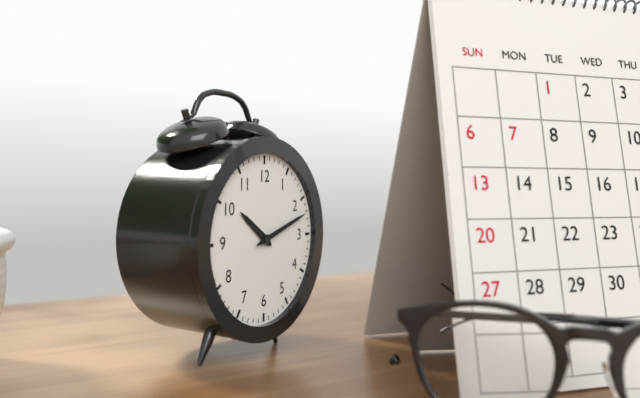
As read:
{"hour": 10, "minute": 12}
